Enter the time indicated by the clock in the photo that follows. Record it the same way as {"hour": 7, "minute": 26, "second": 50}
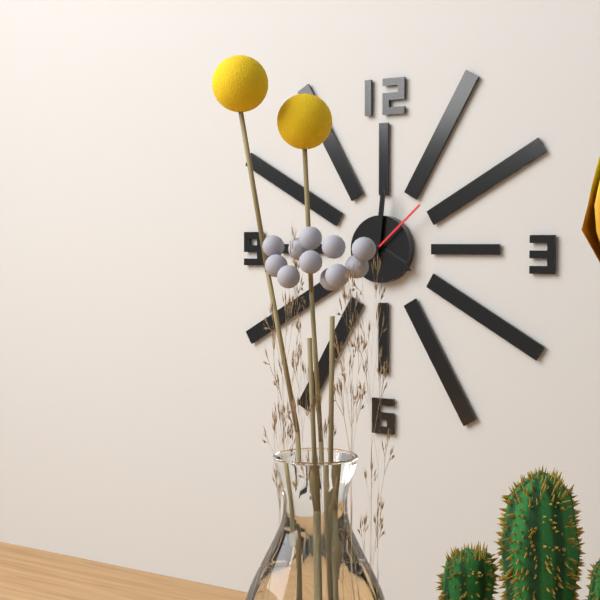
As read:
{"hour": 4, "minute": 1, "second": 8}
